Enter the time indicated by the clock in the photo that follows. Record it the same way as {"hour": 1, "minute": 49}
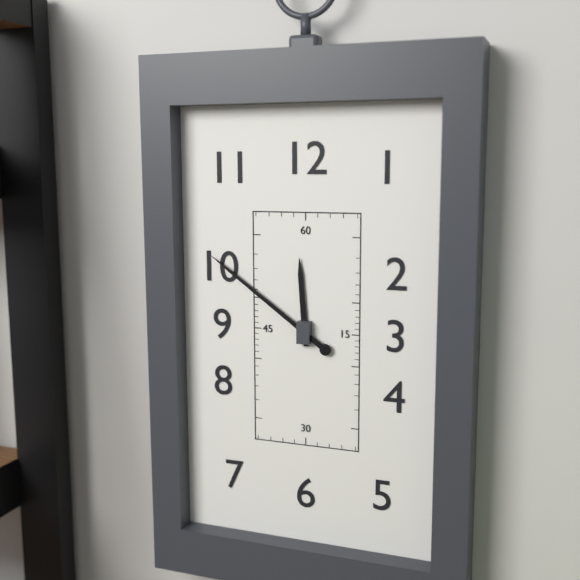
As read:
{"hour": 11, "minute": 51}
